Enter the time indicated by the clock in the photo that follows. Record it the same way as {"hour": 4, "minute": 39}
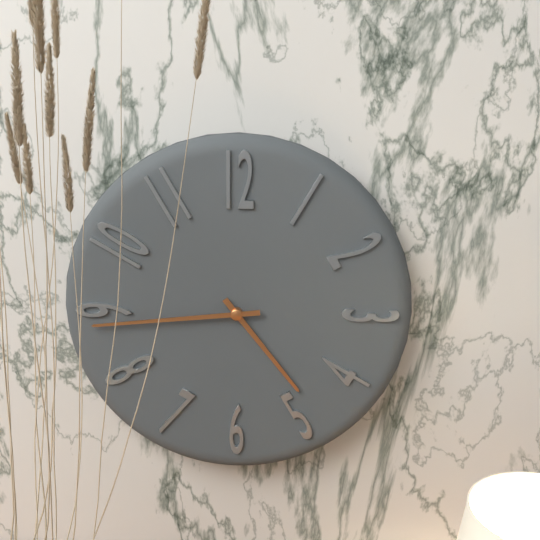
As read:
{"hour": 4, "minute": 44}
